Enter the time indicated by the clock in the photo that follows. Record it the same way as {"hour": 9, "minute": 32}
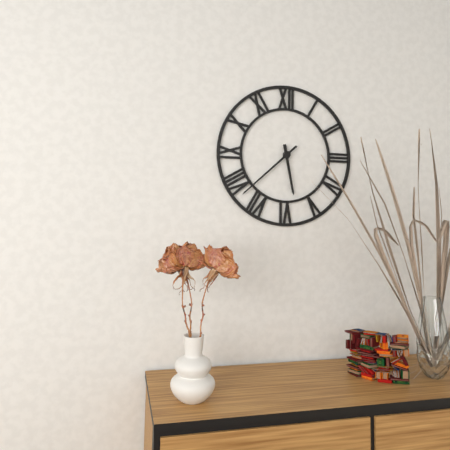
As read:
{"hour": 5, "minute": 38}
